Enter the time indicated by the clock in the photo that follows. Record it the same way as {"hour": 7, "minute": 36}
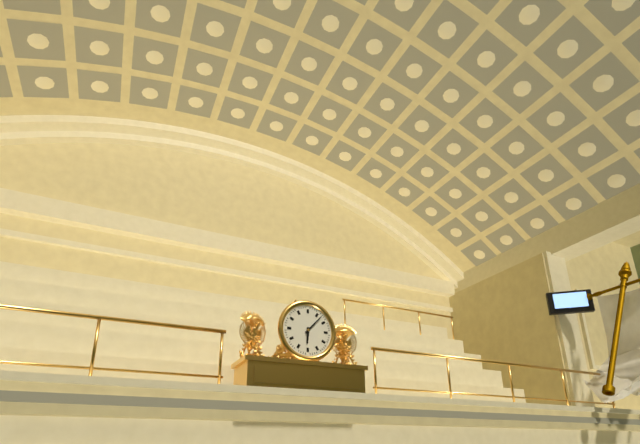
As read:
{"hour": 6, "minute": 7}
